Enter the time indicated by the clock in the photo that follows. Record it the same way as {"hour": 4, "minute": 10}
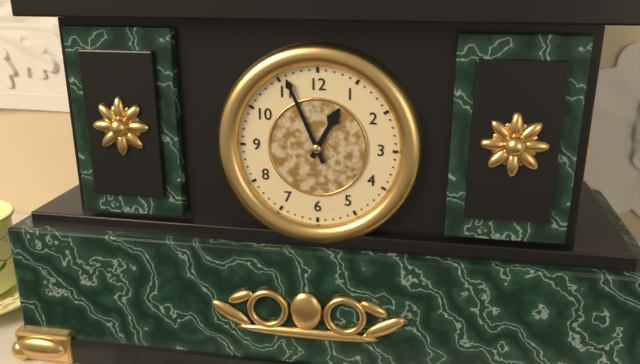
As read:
{"hour": 12, "minute": 56}
